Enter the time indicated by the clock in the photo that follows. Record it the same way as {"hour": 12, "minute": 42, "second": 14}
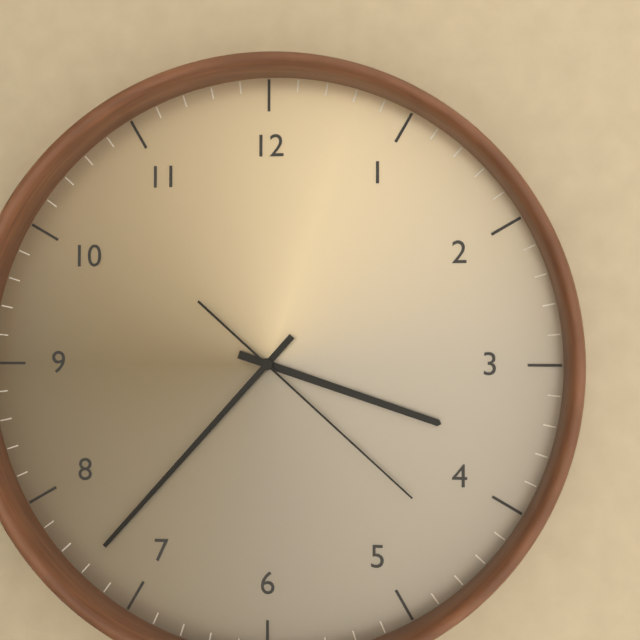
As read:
{"hour": 3, "minute": 37, "second": 22}
